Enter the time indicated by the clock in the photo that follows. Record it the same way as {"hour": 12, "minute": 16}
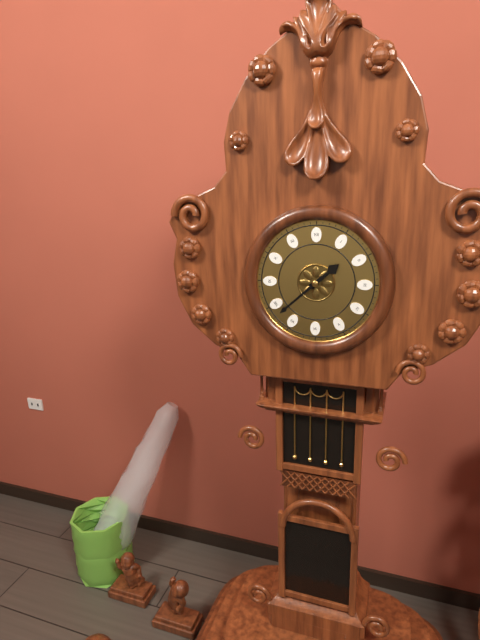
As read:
{"hour": 1, "minute": 38}
